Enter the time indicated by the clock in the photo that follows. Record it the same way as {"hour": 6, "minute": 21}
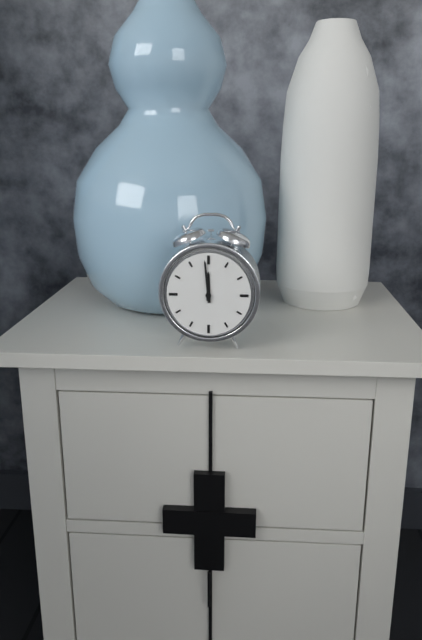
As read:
{"hour": 11, "minute": 59}
